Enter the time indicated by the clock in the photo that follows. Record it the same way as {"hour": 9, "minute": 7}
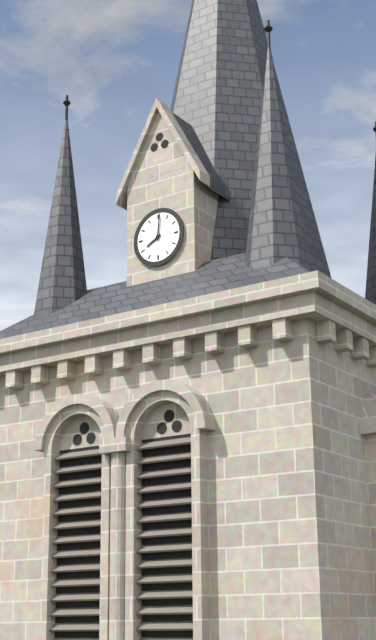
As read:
{"hour": 8, "minute": 1}
